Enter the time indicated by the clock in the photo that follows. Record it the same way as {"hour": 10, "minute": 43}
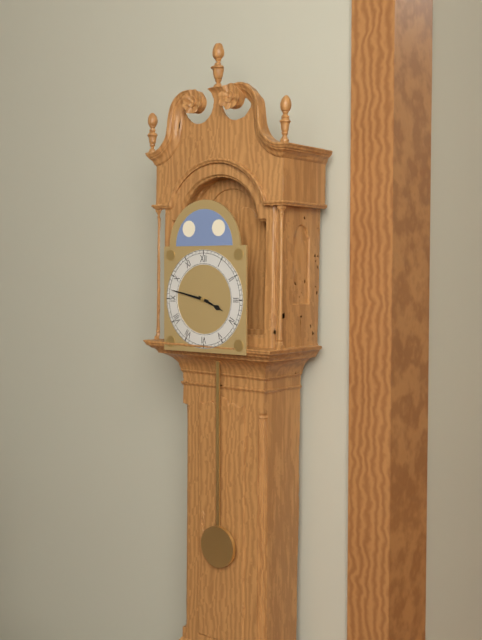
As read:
{"hour": 3, "minute": 47}
